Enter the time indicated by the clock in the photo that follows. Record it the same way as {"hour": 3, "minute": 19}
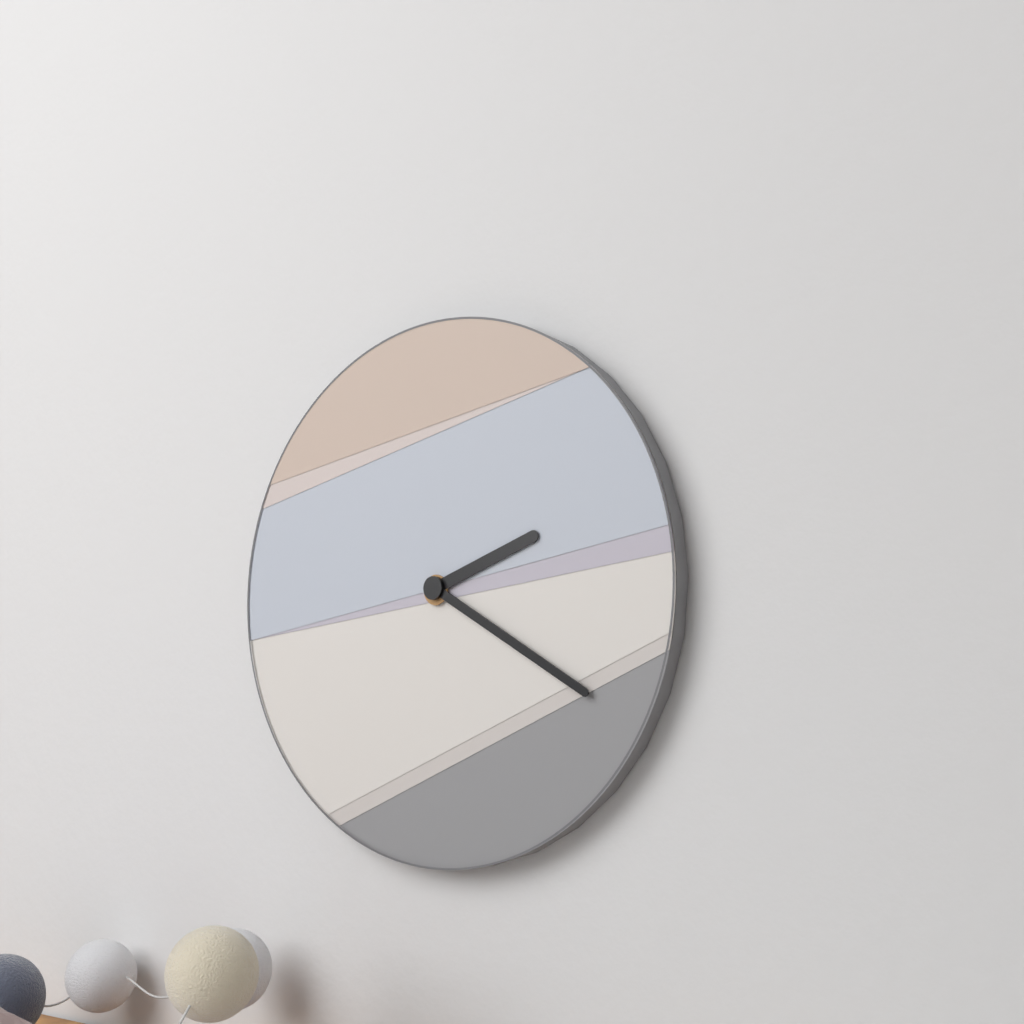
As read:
{"hour": 2, "minute": 20}
